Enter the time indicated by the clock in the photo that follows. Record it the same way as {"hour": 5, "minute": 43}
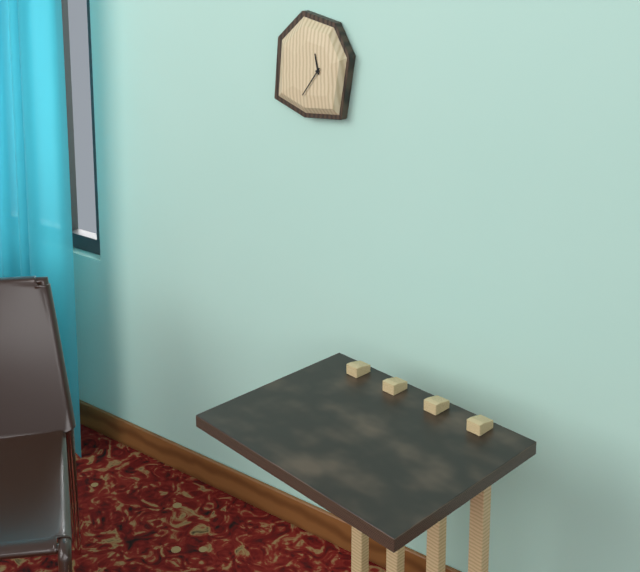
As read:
{"hour": 11, "minute": 36}
